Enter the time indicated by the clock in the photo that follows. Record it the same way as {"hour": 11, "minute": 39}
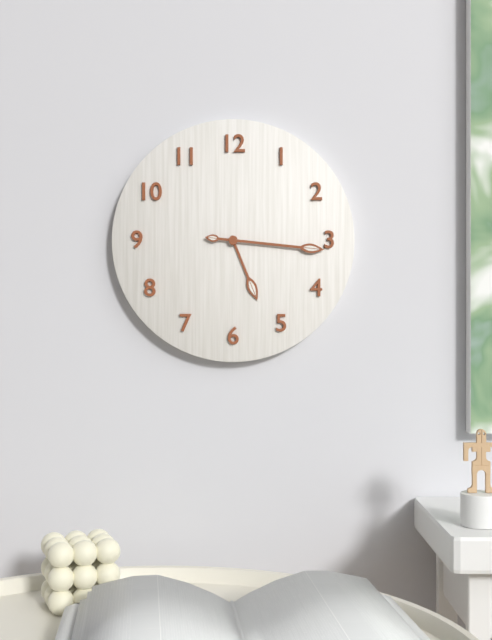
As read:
{"hour": 5, "minute": 16}
